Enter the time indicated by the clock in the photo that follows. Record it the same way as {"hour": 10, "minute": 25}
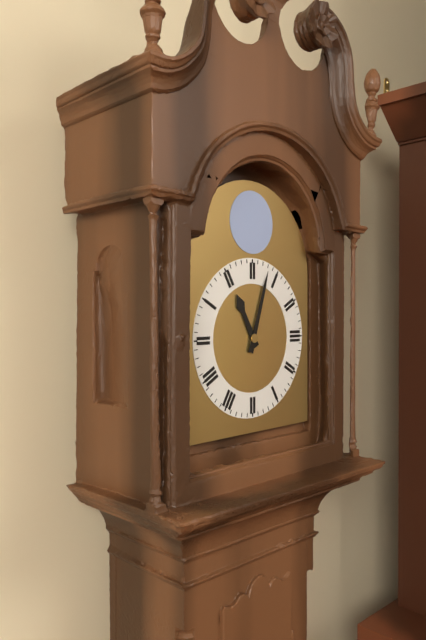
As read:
{"hour": 11, "minute": 3}
